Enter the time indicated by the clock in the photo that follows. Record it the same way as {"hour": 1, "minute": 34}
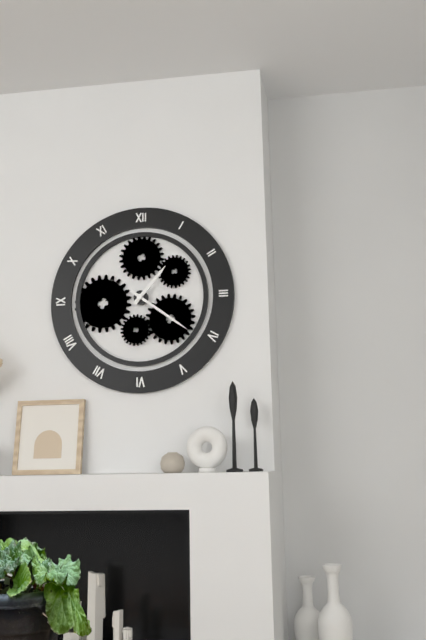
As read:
{"hour": 1, "minute": 21}
